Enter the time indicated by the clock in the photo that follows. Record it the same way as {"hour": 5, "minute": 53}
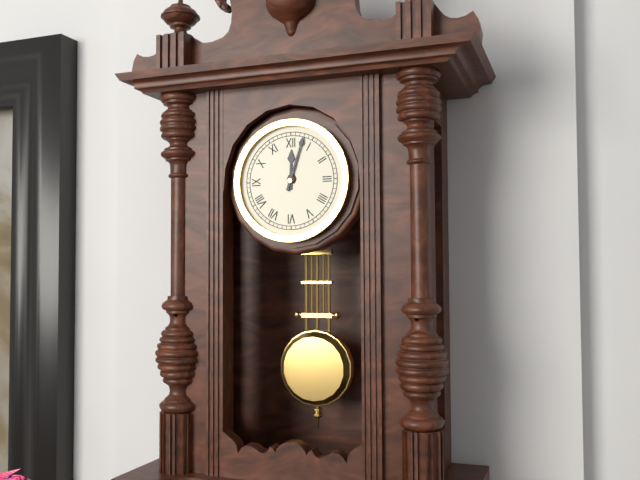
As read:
{"hour": 12, "minute": 3}
